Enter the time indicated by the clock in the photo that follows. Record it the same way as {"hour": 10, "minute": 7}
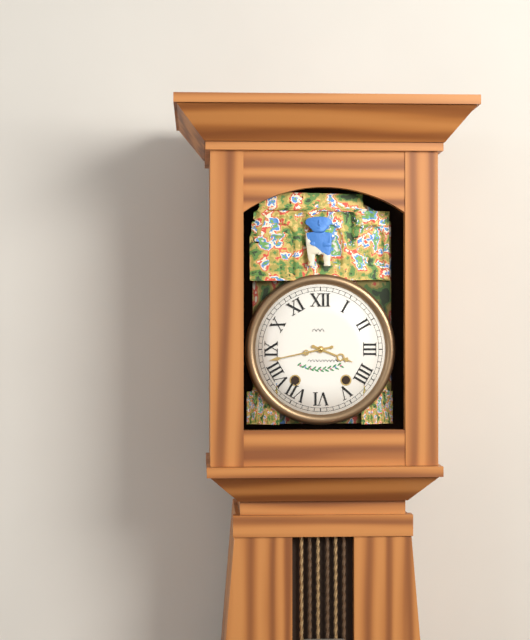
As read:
{"hour": 3, "minute": 43}
